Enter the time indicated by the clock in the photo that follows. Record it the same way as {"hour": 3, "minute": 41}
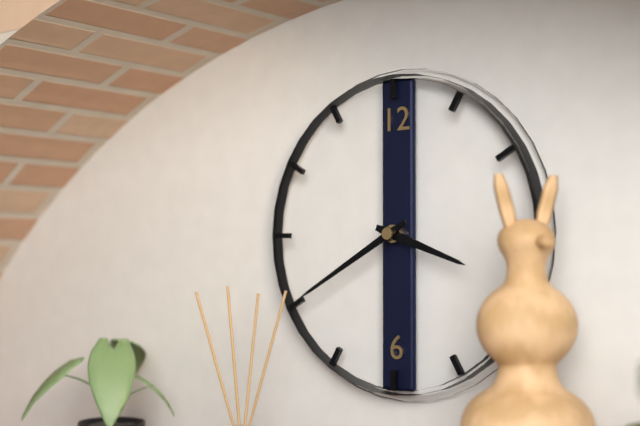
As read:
{"hour": 3, "minute": 40}
